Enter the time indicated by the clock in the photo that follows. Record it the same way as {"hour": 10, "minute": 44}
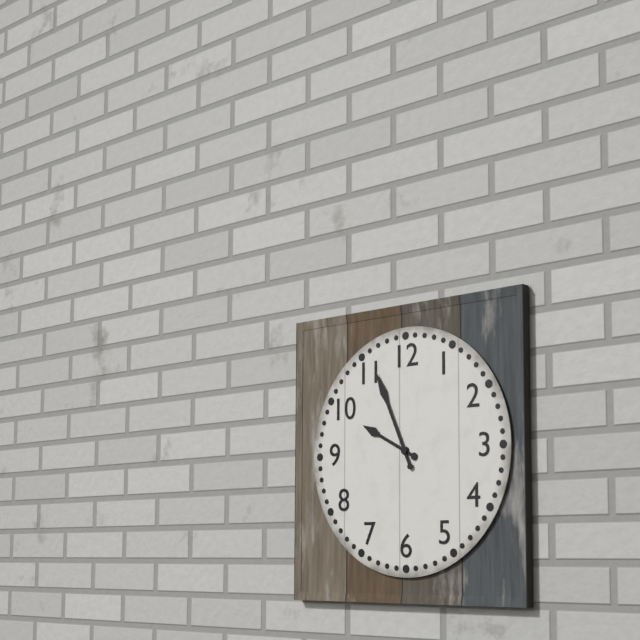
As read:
{"hour": 9, "minute": 56}
